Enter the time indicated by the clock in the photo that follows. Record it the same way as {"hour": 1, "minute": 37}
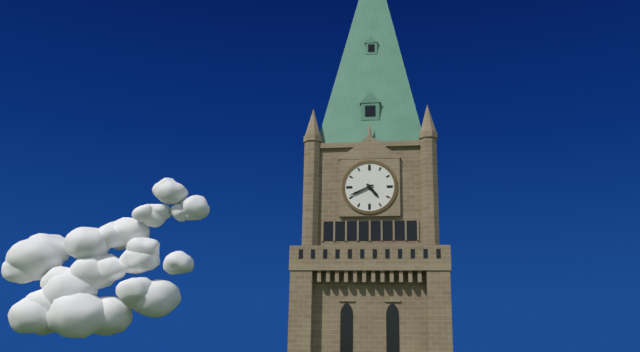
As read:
{"hour": 4, "minute": 41}
